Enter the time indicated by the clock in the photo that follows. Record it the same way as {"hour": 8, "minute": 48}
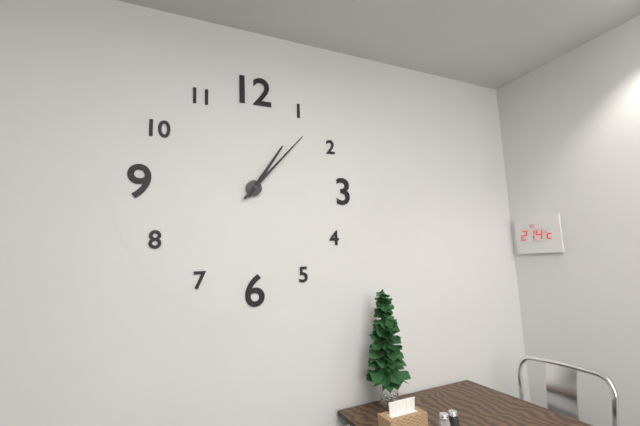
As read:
{"hour": 1, "minute": 7}
